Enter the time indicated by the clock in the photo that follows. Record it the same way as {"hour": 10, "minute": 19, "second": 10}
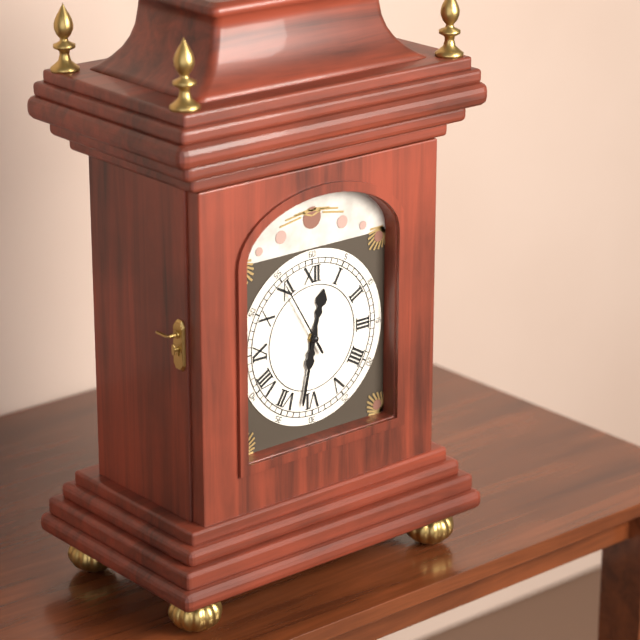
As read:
{"hour": 12, "minute": 32, "second": 55}
